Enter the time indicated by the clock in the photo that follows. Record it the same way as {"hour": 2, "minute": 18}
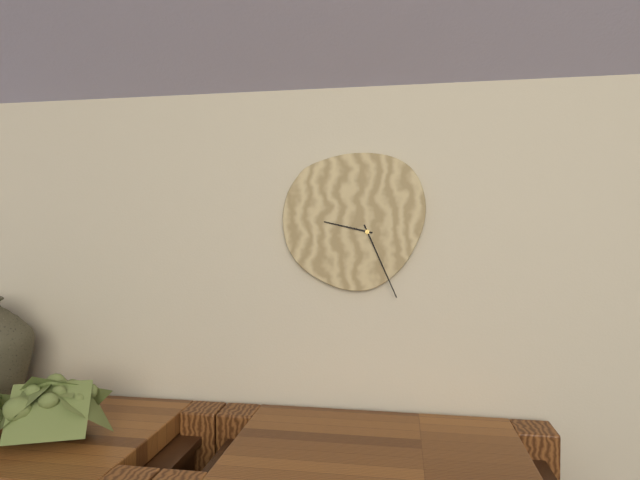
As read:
{"hour": 9, "minute": 26}
